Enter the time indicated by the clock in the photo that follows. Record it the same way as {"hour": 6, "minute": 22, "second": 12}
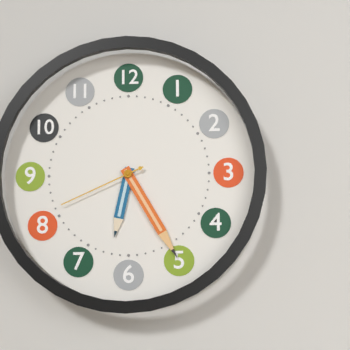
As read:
{"hour": 6, "minute": 25, "second": 41}
